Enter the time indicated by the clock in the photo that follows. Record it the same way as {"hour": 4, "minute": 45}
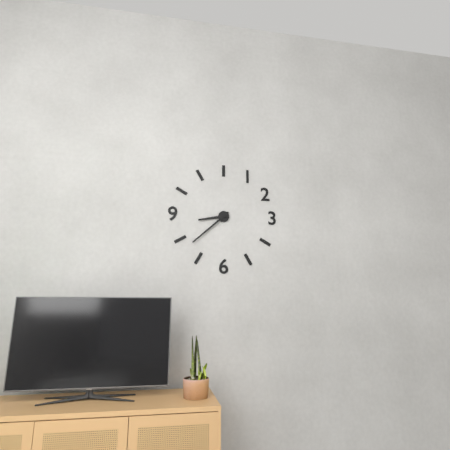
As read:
{"hour": 8, "minute": 38}
